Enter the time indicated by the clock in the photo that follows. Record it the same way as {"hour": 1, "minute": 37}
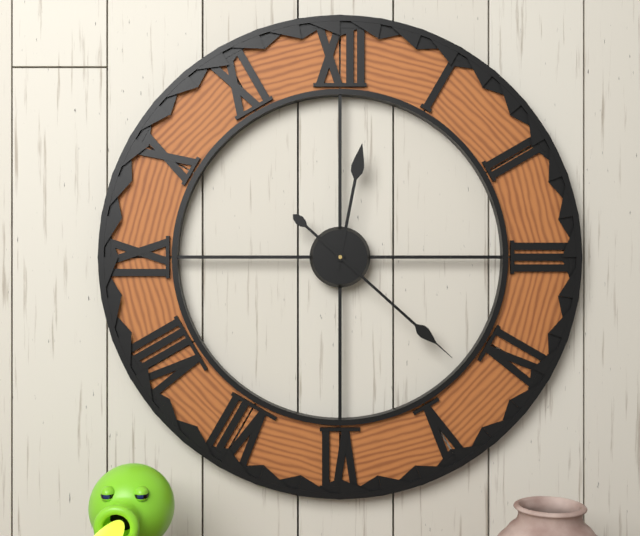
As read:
{"hour": 12, "minute": 22}
